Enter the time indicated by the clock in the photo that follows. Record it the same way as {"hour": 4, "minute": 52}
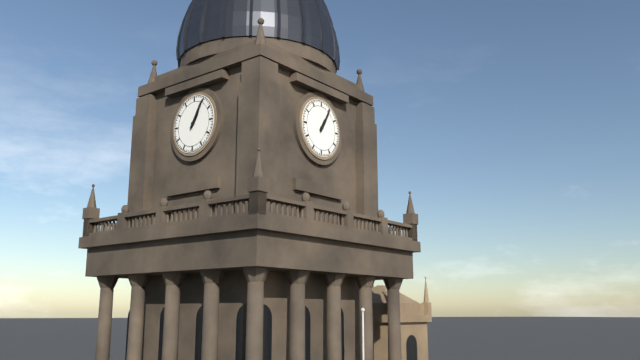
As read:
{"hour": 1, "minute": 5}
